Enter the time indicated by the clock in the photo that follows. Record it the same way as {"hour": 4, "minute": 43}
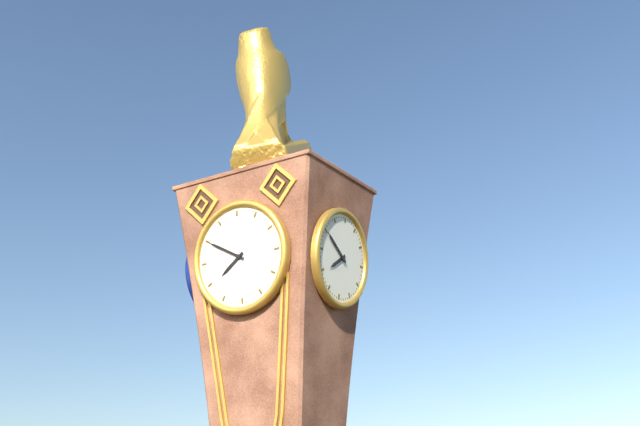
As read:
{"hour": 7, "minute": 50}
